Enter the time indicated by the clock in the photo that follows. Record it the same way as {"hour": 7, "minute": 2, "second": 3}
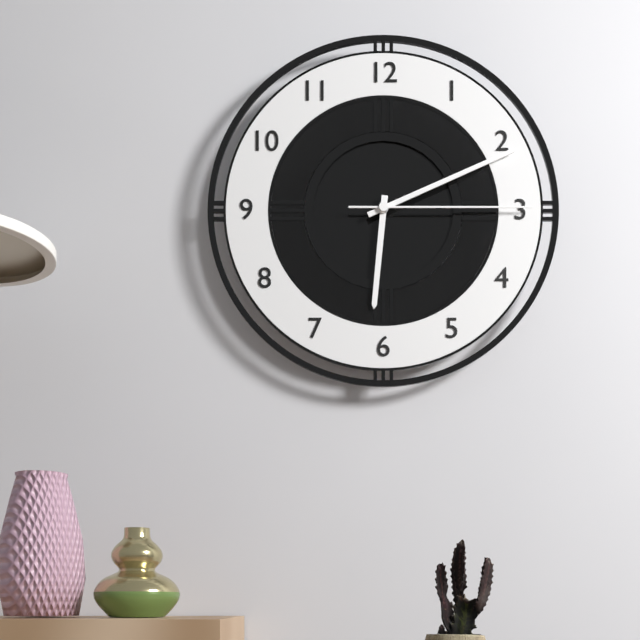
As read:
{"hour": 6, "minute": 11, "second": 15}
